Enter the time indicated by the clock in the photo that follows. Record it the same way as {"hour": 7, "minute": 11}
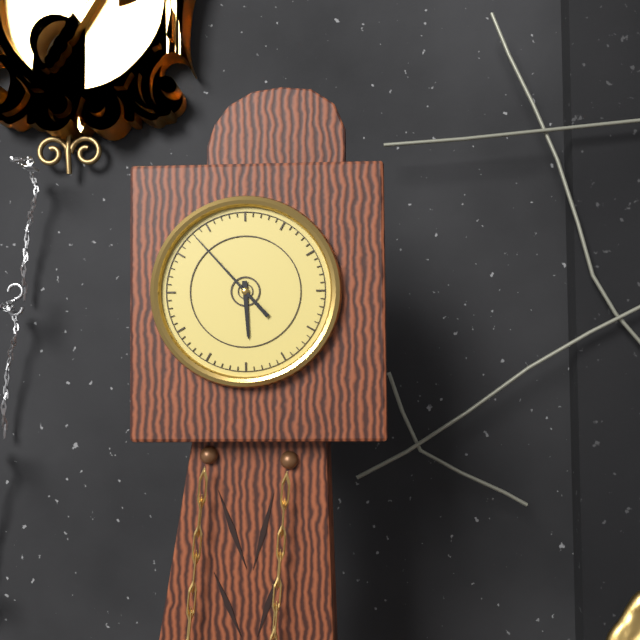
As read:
{"hour": 5, "minute": 53}
